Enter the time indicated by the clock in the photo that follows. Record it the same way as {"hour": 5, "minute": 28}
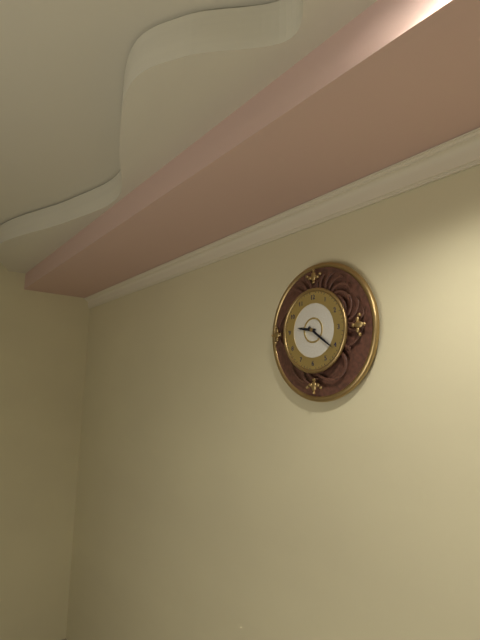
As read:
{"hour": 9, "minute": 21}
